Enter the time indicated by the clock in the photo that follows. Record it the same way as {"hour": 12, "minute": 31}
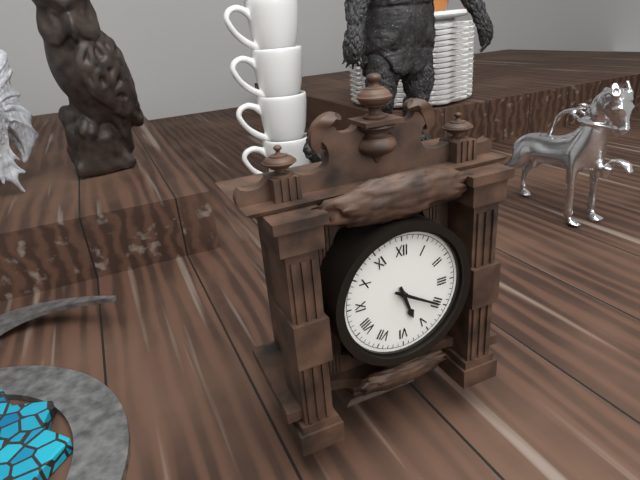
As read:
{"hour": 5, "minute": 20}
